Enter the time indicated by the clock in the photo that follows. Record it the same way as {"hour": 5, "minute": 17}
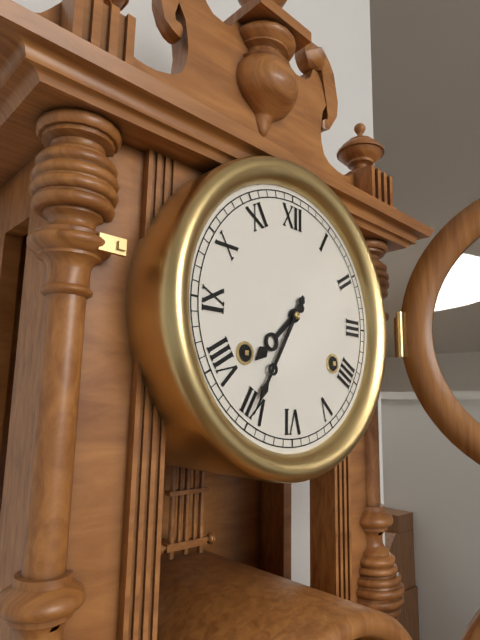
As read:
{"hour": 7, "minute": 35}
